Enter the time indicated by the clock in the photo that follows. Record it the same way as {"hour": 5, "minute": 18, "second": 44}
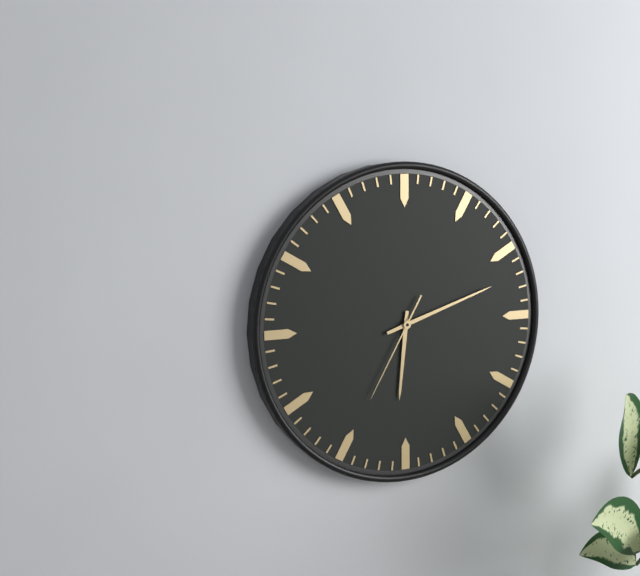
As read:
{"hour": 6, "minute": 12, "second": 35}
